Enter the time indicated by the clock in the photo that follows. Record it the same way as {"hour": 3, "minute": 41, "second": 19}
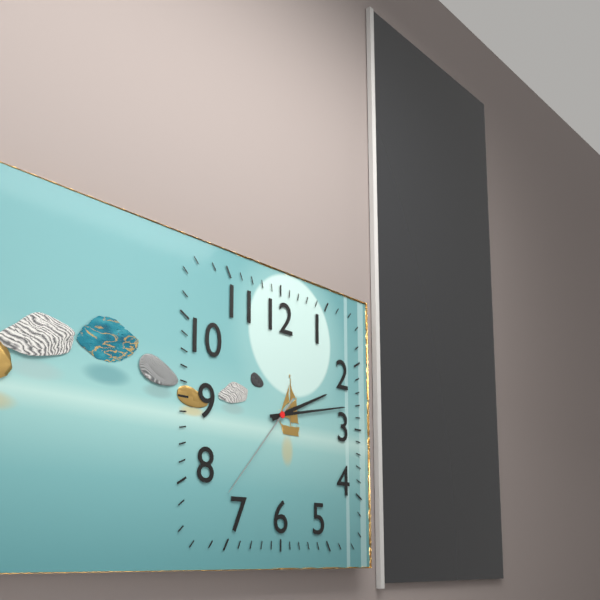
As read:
{"hour": 2, "minute": 13, "second": 37}
